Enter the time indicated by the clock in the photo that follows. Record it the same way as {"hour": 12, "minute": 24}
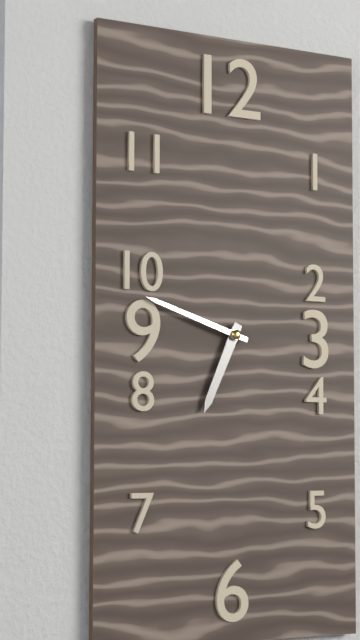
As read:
{"hour": 6, "minute": 48}
